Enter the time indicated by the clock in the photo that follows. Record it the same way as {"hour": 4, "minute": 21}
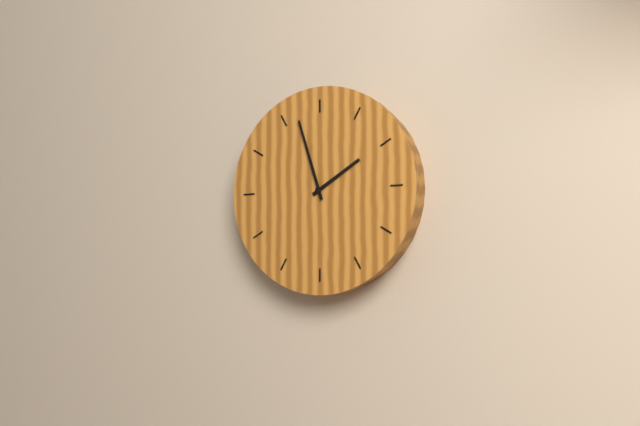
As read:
{"hour": 1, "minute": 57}
